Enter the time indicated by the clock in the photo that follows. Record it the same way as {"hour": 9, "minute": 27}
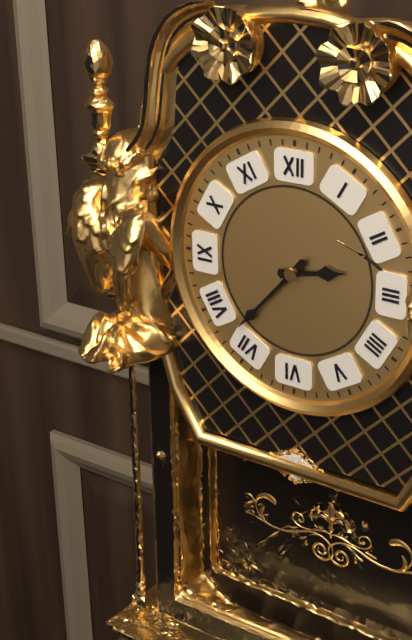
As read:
{"hour": 2, "minute": 37}
